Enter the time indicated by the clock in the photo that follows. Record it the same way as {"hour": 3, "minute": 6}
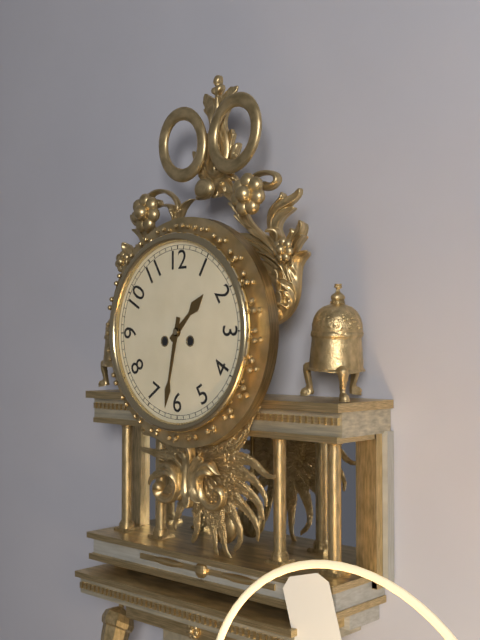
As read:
{"hour": 1, "minute": 32}
